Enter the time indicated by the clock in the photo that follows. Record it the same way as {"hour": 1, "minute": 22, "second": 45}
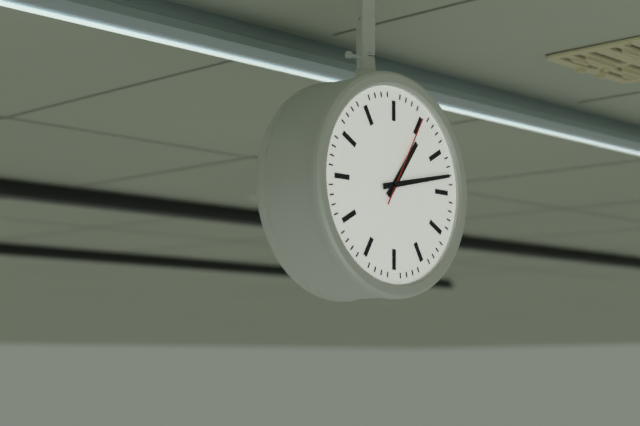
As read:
{"hour": 1, "minute": 13, "second": 5}
